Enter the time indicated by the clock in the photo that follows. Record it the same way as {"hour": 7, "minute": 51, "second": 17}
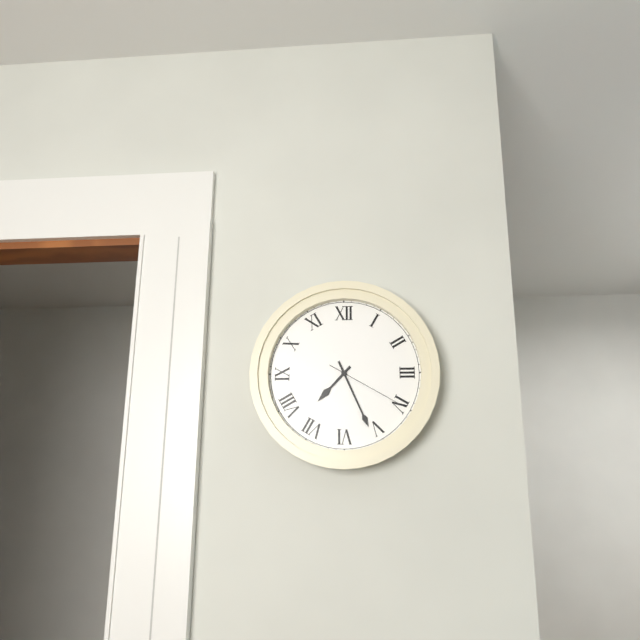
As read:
{"hour": 7, "minute": 26, "second": 20}
